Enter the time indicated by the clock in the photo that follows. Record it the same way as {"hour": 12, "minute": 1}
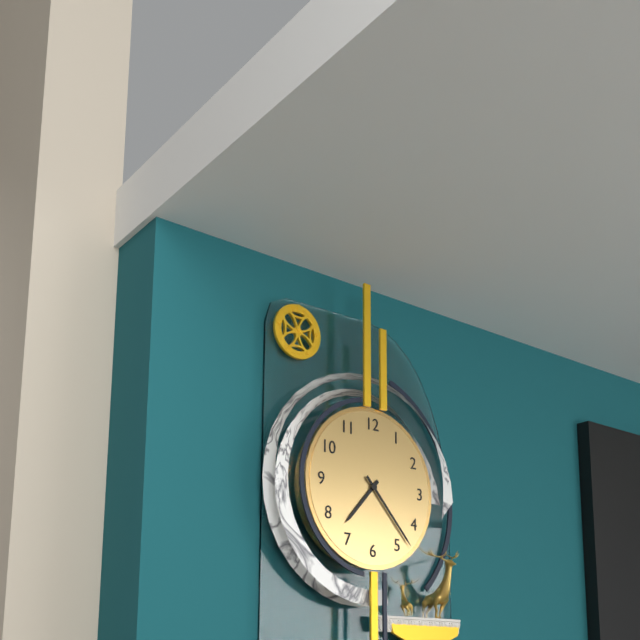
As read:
{"hour": 7, "minute": 23}
